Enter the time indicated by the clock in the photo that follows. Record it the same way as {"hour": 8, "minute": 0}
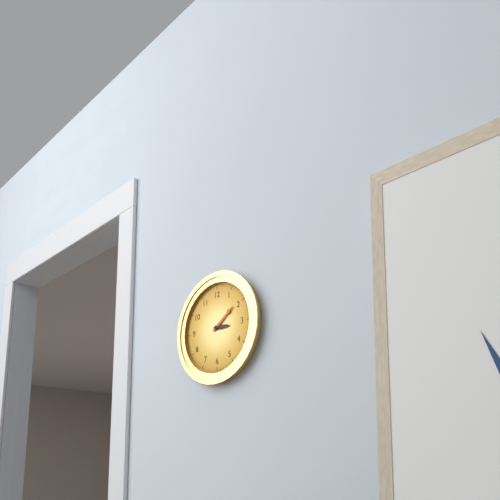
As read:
{"hour": 3, "minute": 9}
